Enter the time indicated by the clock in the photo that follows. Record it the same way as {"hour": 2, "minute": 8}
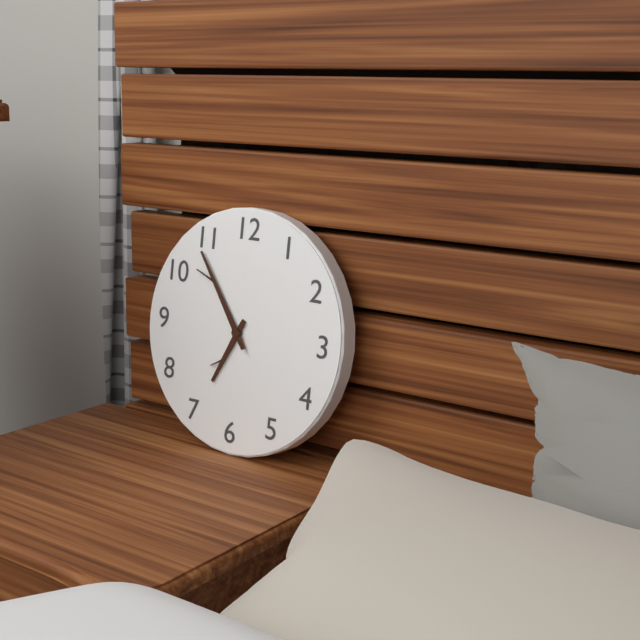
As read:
{"hour": 6, "minute": 54}
